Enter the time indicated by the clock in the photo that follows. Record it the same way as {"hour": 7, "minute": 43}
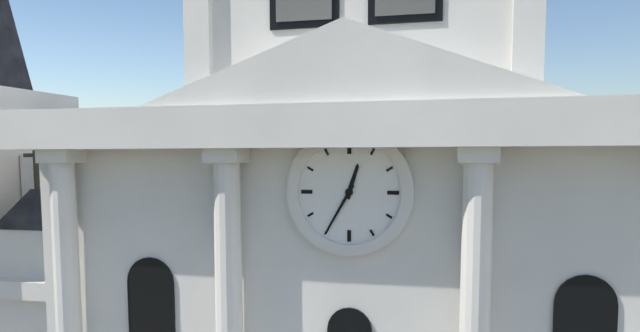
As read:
{"hour": 12, "minute": 35}
